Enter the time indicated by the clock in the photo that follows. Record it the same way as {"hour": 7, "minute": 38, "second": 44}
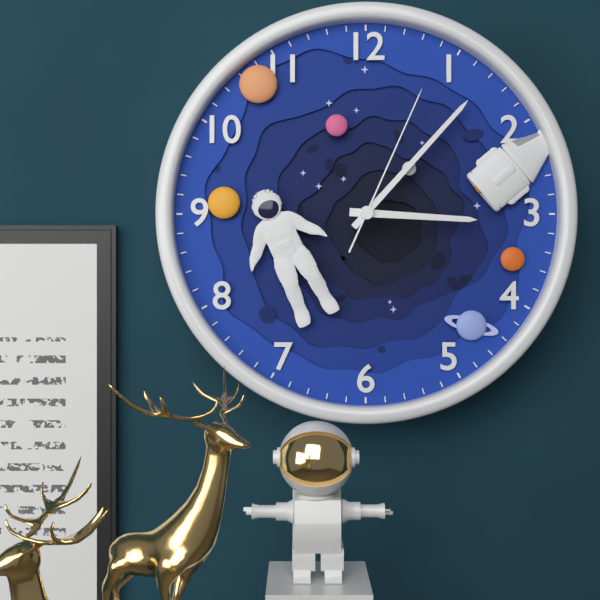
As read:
{"hour": 3, "minute": 7, "second": 4}
